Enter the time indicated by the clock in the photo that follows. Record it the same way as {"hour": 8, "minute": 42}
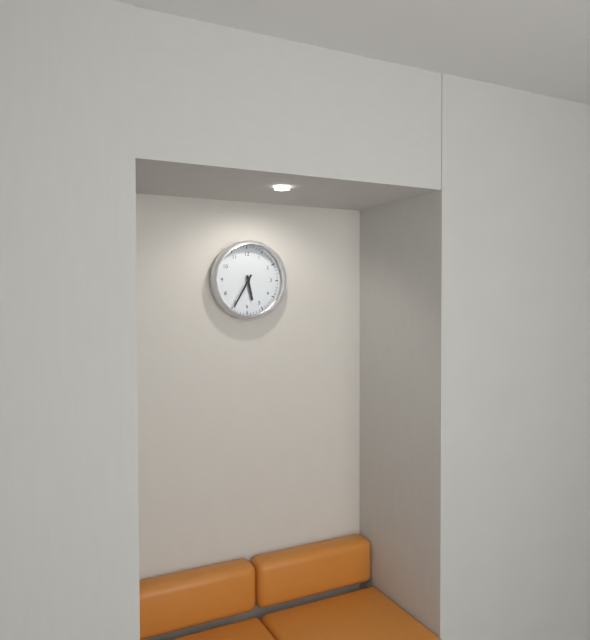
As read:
{"hour": 5, "minute": 35}
